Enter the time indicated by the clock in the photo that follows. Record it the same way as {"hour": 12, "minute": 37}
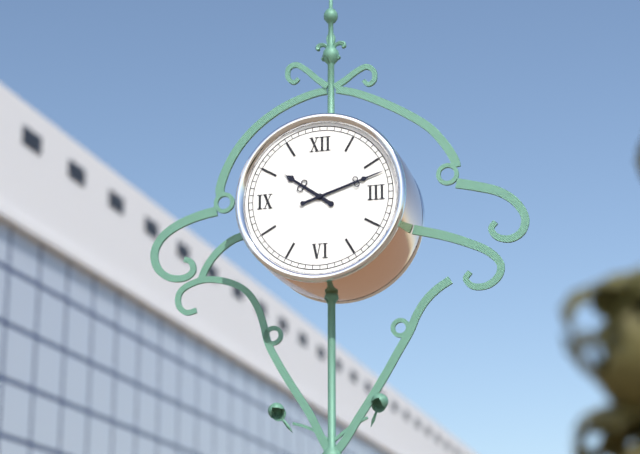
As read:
{"hour": 10, "minute": 12}
